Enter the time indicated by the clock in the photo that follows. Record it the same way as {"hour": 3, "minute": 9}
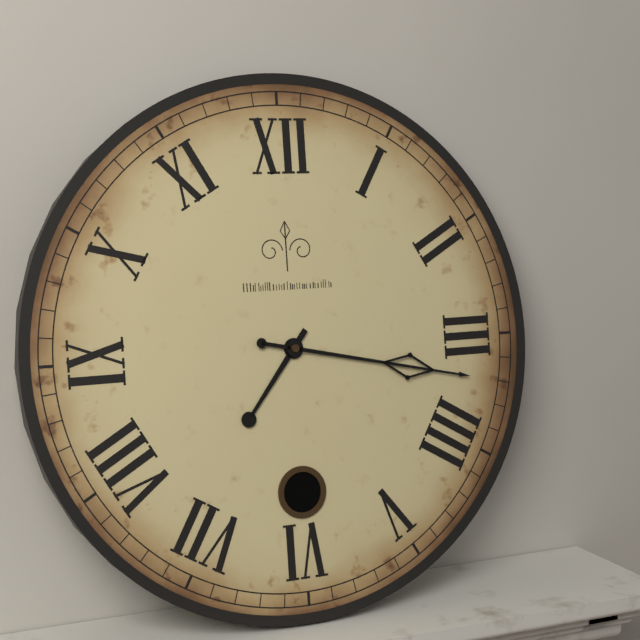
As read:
{"hour": 7, "minute": 17}
